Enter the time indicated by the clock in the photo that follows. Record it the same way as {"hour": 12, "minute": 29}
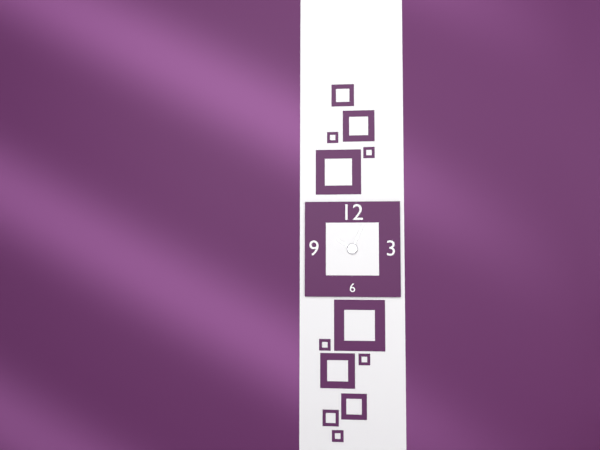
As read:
{"hour": 10, "minute": 4}
